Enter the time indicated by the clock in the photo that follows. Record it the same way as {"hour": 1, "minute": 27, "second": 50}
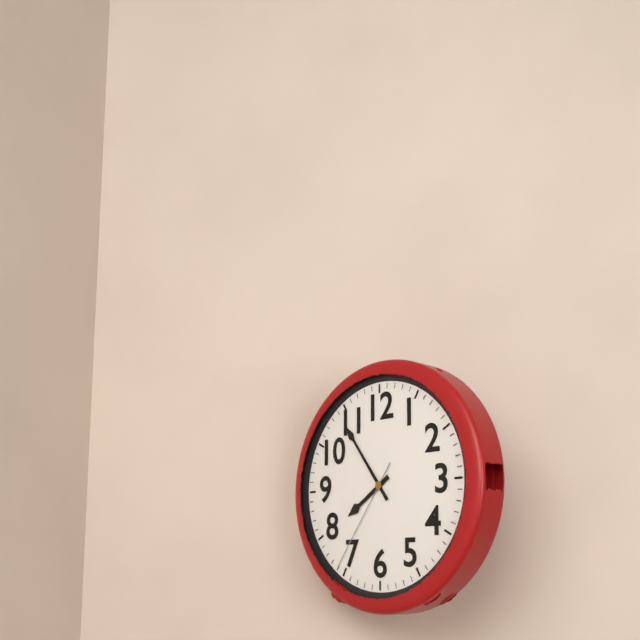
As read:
{"hour": 7, "minute": 54, "second": 36}
